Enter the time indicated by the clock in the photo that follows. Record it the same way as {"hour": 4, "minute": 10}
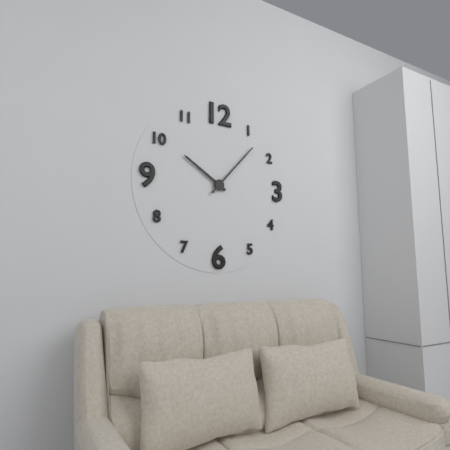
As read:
{"hour": 10, "minute": 7}
